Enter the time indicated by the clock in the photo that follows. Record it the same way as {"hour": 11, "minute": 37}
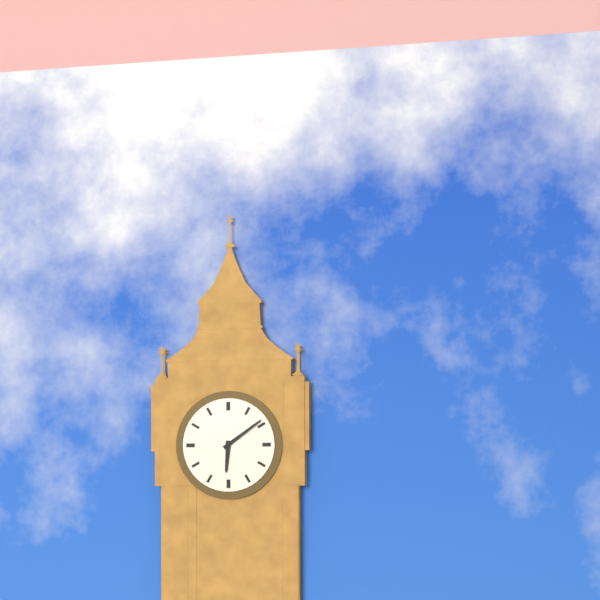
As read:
{"hour": 6, "minute": 9}
